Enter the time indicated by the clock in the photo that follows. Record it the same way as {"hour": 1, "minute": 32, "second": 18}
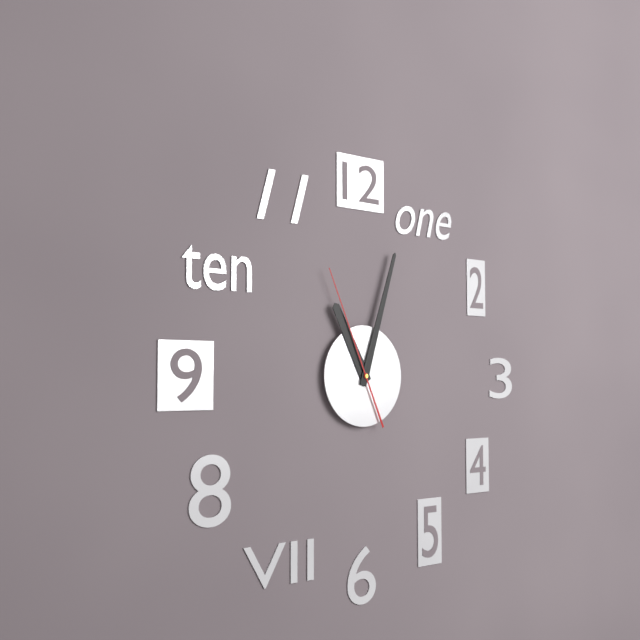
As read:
{"hour": 11, "minute": 3, "second": 56}
